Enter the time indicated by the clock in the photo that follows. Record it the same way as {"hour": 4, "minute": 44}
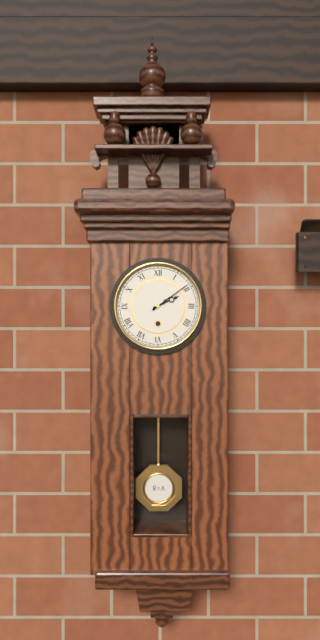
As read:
{"hour": 2, "minute": 9}
